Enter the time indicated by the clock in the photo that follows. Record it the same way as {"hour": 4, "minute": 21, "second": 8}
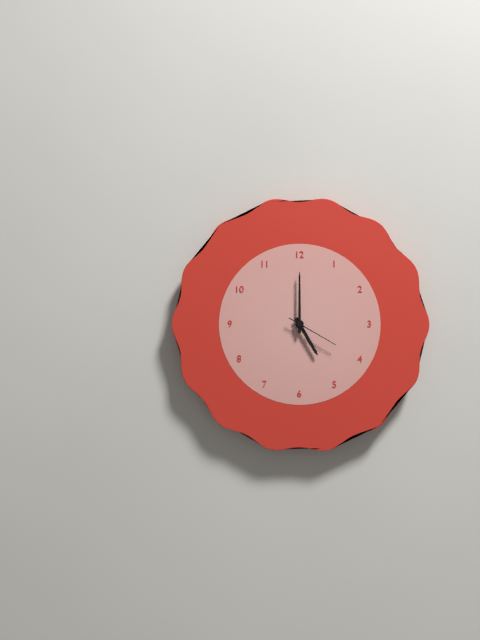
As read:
{"hour": 5, "minute": 0, "second": 20}
